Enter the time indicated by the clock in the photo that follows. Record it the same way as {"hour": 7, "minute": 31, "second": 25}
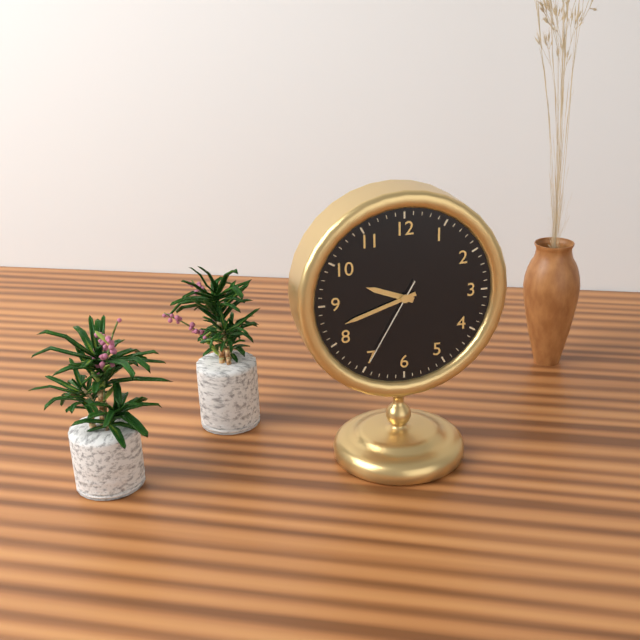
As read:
{"hour": 9, "minute": 42, "second": 35}
